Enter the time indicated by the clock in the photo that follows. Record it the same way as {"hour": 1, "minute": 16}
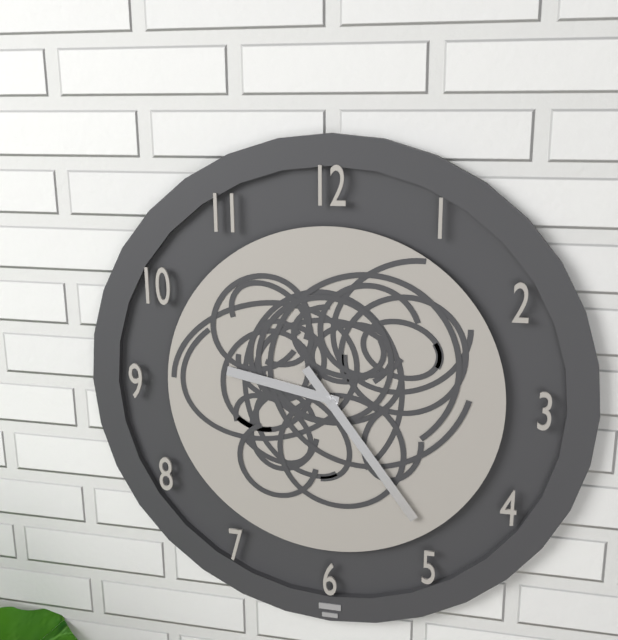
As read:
{"hour": 9, "minute": 24}
